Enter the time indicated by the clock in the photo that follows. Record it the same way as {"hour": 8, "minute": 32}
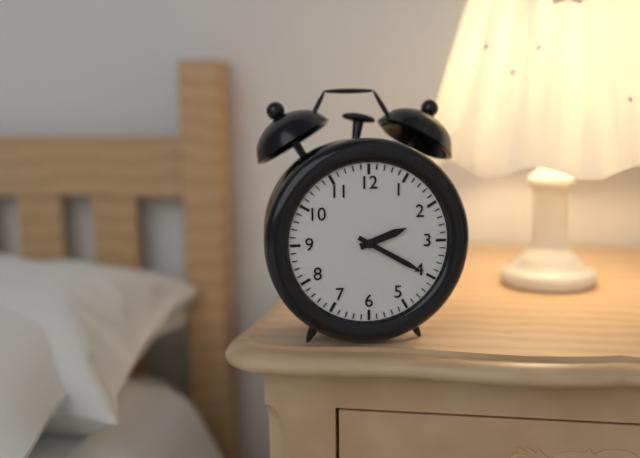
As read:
{"hour": 2, "minute": 20}
